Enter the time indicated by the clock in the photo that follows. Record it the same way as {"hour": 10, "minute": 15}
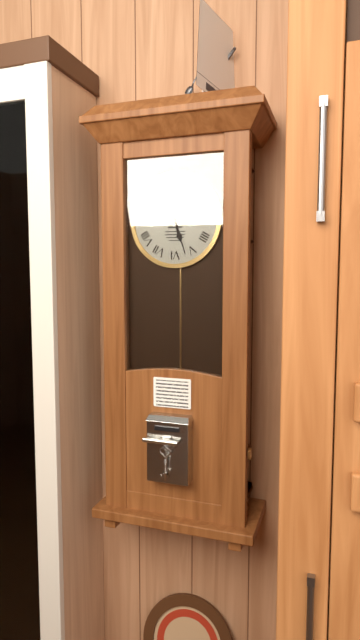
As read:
{"hour": 5, "minute": 27}
